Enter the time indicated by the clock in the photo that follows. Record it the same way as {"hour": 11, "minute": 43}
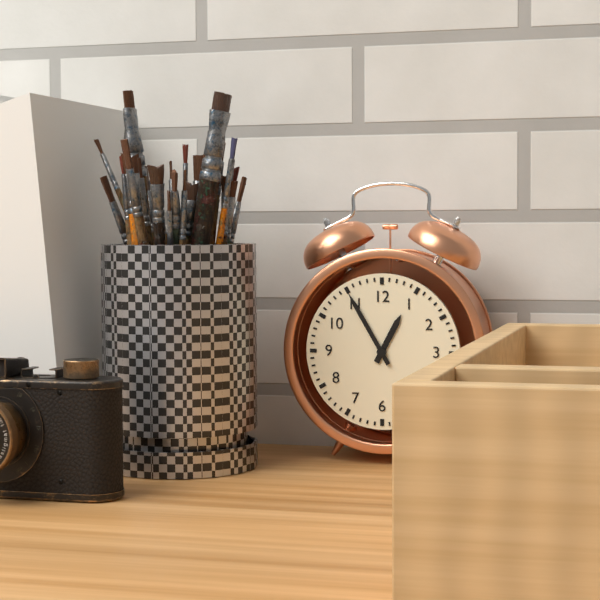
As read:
{"hour": 12, "minute": 55}
